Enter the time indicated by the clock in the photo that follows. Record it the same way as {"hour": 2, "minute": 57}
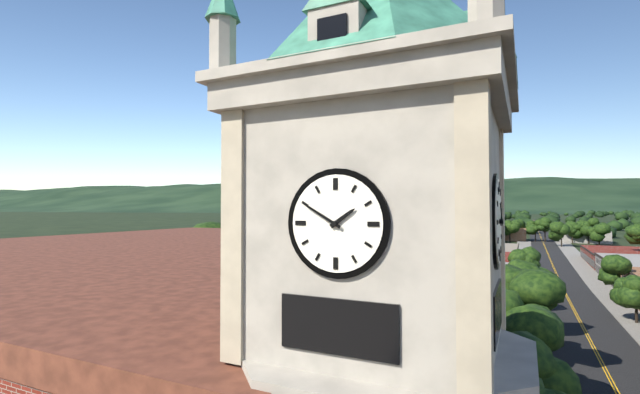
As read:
{"hour": 1, "minute": 50}
